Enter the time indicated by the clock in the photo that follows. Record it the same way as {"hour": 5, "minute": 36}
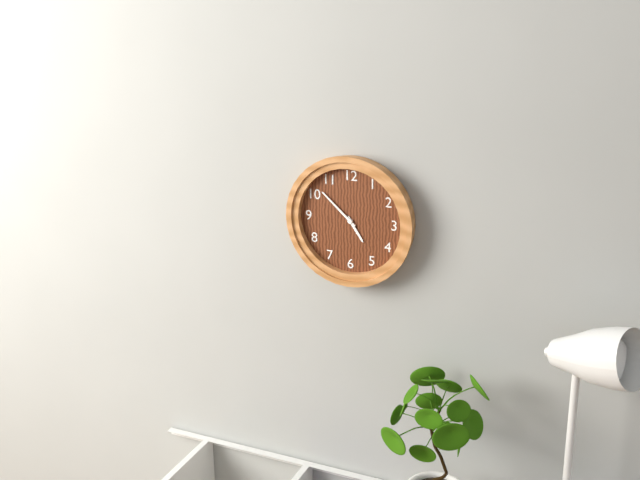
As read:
{"hour": 4, "minute": 52}
